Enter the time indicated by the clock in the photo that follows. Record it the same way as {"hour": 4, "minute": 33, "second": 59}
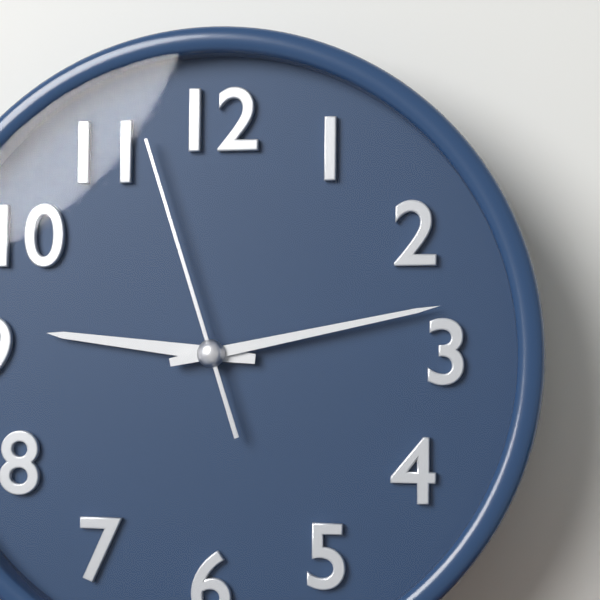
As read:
{"hour": 9, "minute": 13, "second": 57}
